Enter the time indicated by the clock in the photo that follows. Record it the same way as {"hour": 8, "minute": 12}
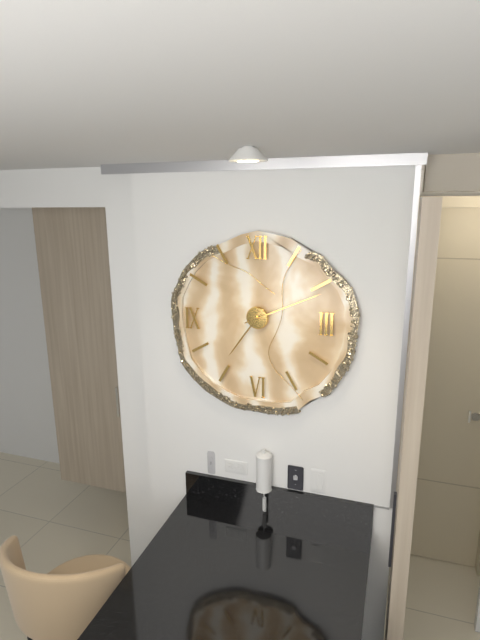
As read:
{"hour": 7, "minute": 11}
